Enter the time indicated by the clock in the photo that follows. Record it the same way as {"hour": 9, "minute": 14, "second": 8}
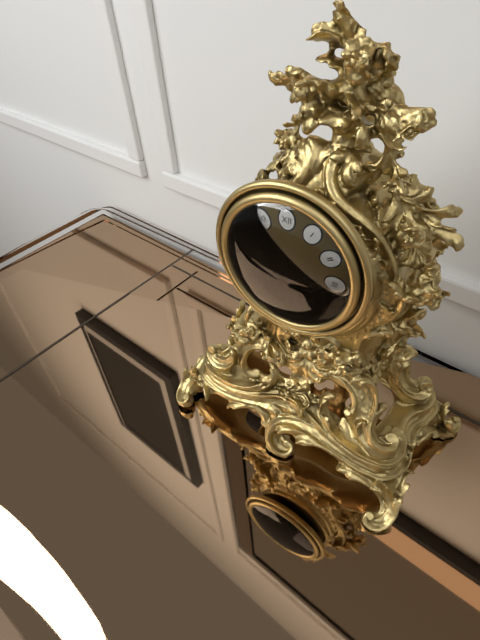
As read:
{"hour": 3, "minute": 21, "second": 29}
